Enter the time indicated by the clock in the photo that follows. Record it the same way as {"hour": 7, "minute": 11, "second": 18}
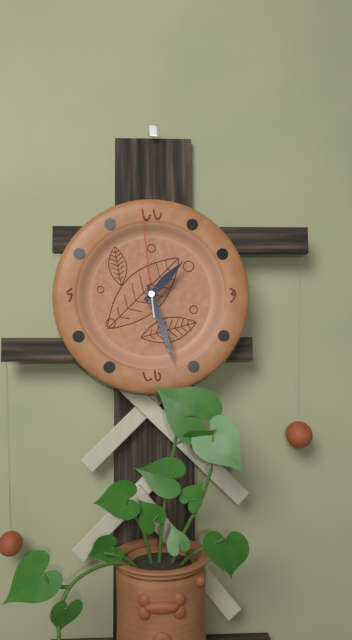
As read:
{"hour": 1, "minute": 27, "second": 59}
